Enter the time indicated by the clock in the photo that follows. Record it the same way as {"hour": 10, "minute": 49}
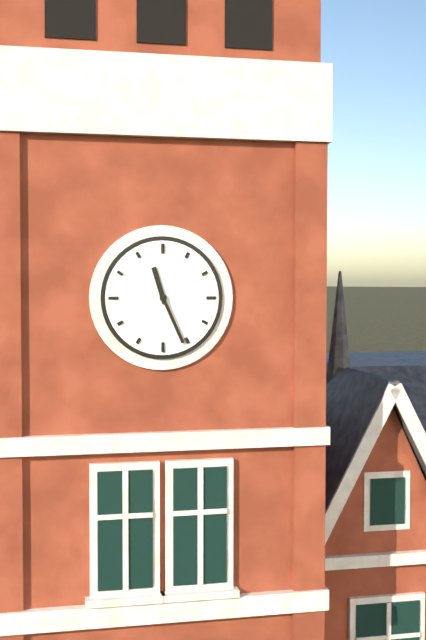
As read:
{"hour": 11, "minute": 26}
